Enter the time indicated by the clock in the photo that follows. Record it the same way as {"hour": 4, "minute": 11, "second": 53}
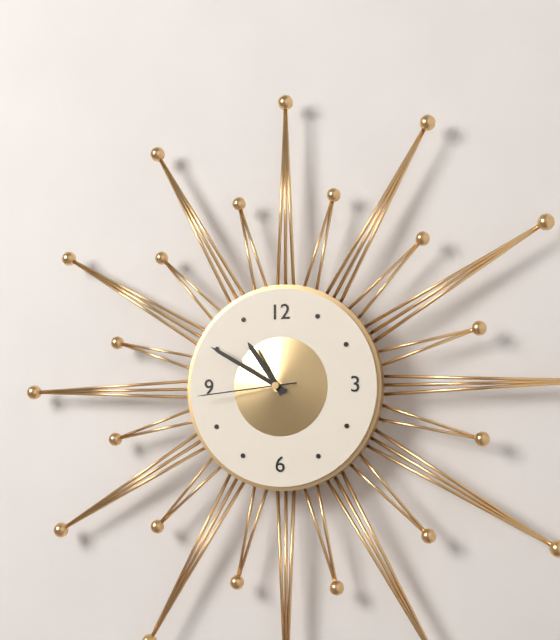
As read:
{"hour": 10, "minute": 50, "second": 44}
